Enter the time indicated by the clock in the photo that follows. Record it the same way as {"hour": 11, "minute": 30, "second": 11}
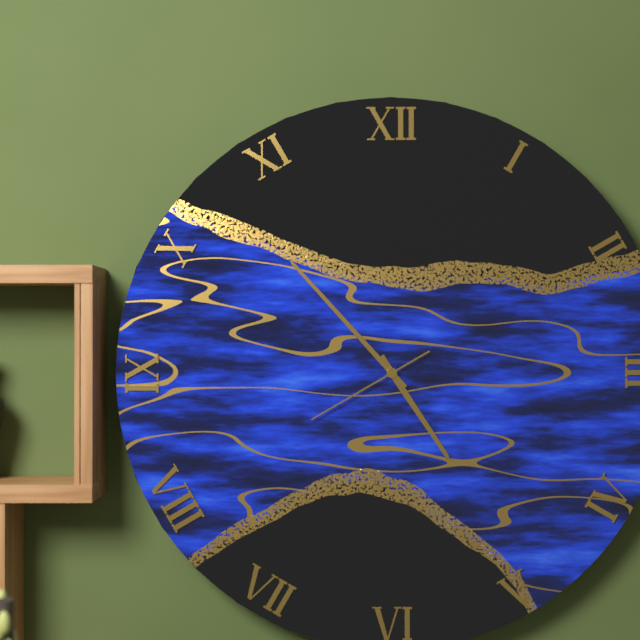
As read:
{"hour": 4, "minute": 53, "second": 40}
